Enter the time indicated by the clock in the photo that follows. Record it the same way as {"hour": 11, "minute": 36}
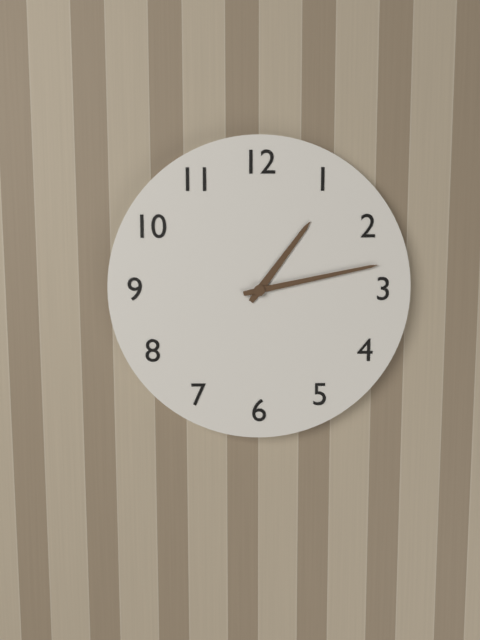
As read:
{"hour": 1, "minute": 13}
